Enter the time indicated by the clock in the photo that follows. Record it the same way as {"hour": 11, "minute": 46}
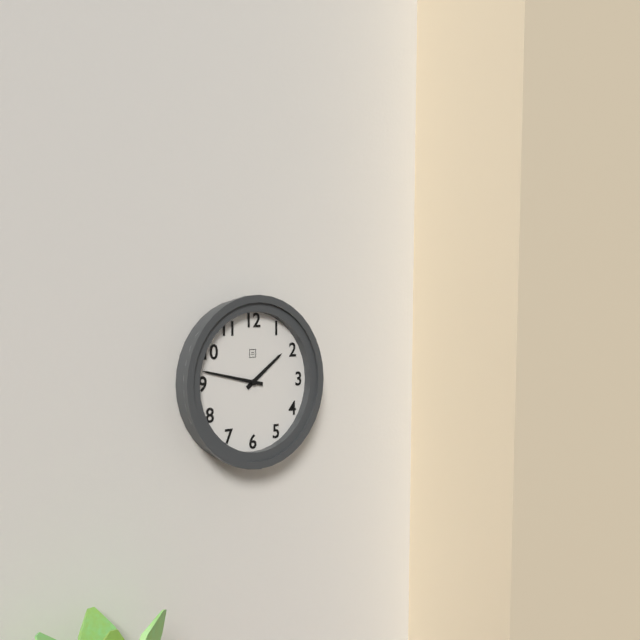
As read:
{"hour": 1, "minute": 47}
